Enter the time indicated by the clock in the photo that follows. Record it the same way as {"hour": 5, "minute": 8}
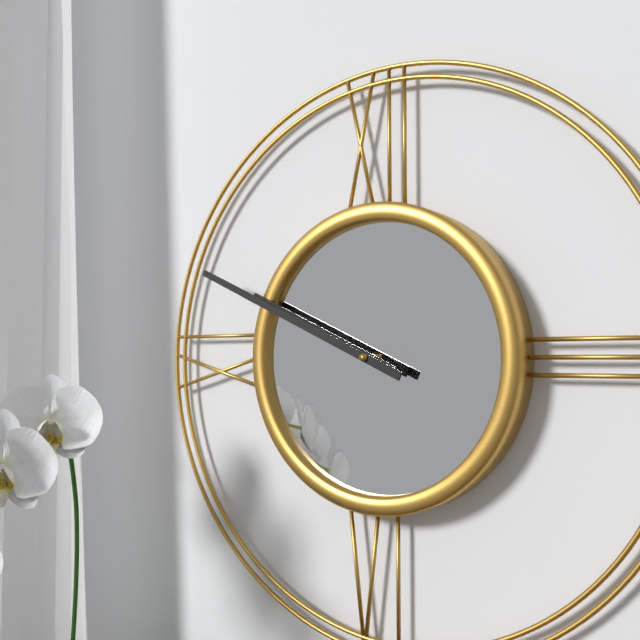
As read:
{"hour": 9, "minute": 49}
